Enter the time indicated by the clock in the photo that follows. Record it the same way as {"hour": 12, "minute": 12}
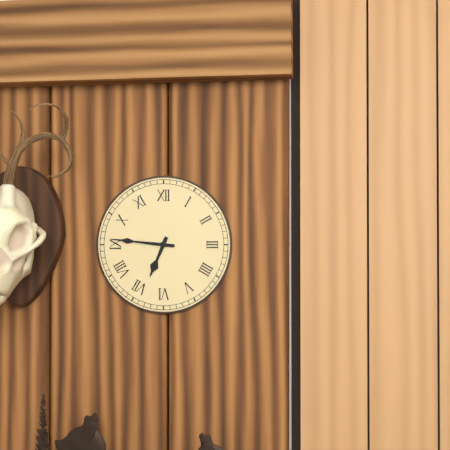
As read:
{"hour": 6, "minute": 46}
